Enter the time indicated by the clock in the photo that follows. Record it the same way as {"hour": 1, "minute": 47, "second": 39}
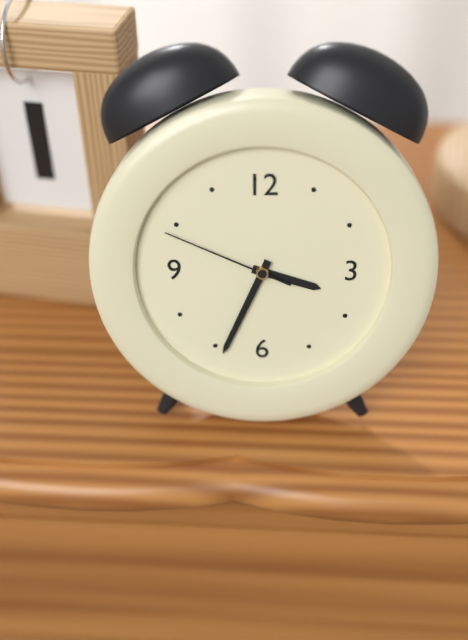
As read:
{"hour": 3, "minute": 34, "second": 49}
